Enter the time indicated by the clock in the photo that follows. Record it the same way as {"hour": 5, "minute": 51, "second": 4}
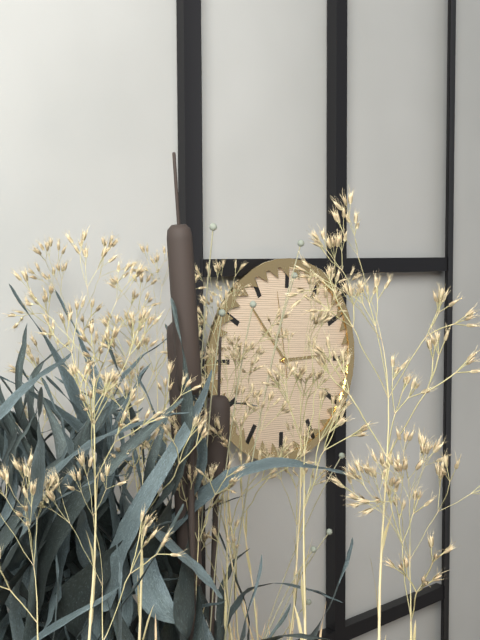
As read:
{"hour": 2, "minute": 53, "second": 58}
